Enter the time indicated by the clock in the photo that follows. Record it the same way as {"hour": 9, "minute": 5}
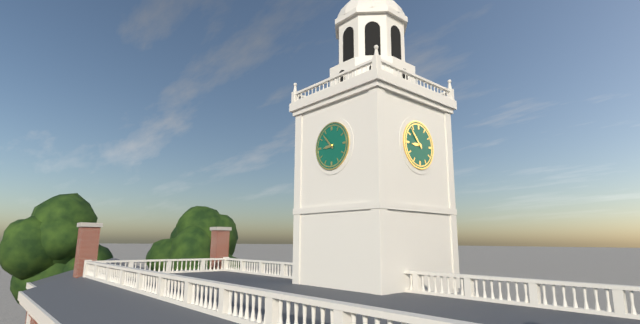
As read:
{"hour": 8, "minute": 53}
